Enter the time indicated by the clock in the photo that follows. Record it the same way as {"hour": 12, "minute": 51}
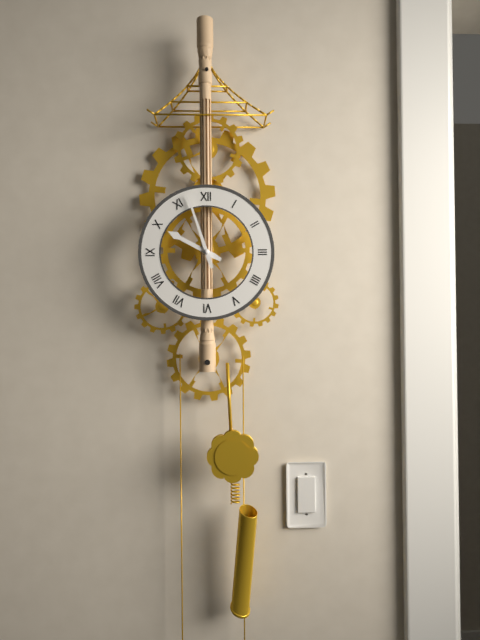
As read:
{"hour": 9, "minute": 57}
